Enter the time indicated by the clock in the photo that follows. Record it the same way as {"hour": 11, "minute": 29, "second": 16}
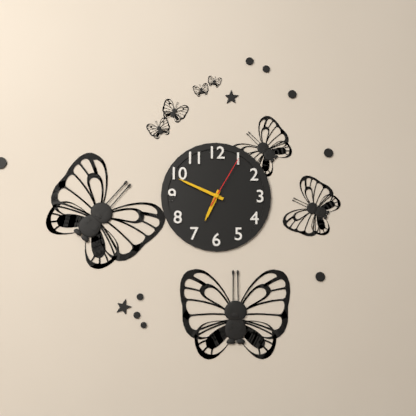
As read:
{"hour": 6, "minute": 49, "second": 5}
